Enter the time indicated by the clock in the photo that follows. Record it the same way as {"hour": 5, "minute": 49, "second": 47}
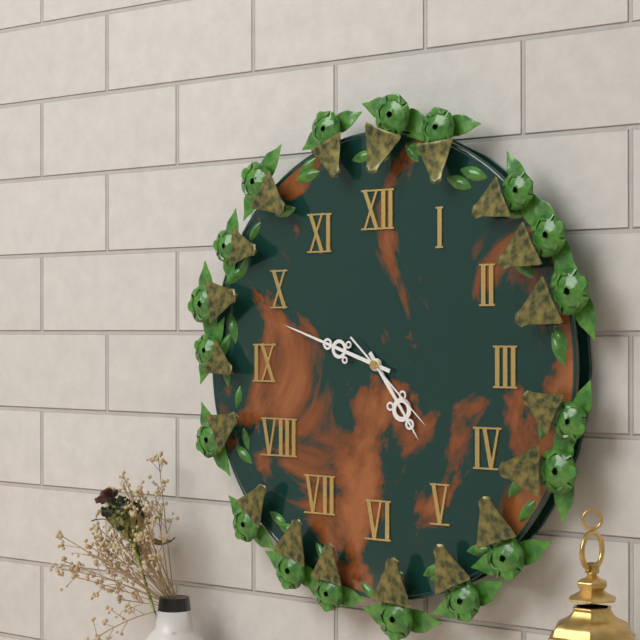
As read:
{"hour": 4, "minute": 48, "second": 22}
